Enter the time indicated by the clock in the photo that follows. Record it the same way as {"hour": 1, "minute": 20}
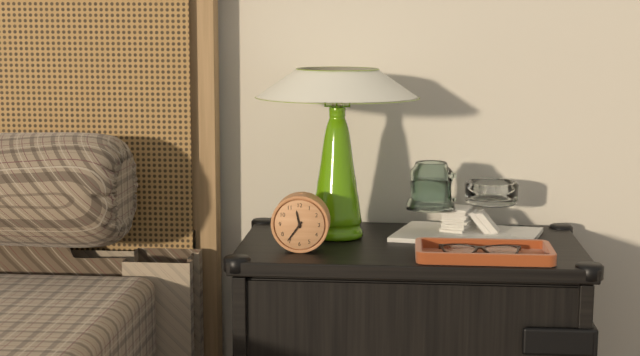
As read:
{"hour": 11, "minute": 36}
